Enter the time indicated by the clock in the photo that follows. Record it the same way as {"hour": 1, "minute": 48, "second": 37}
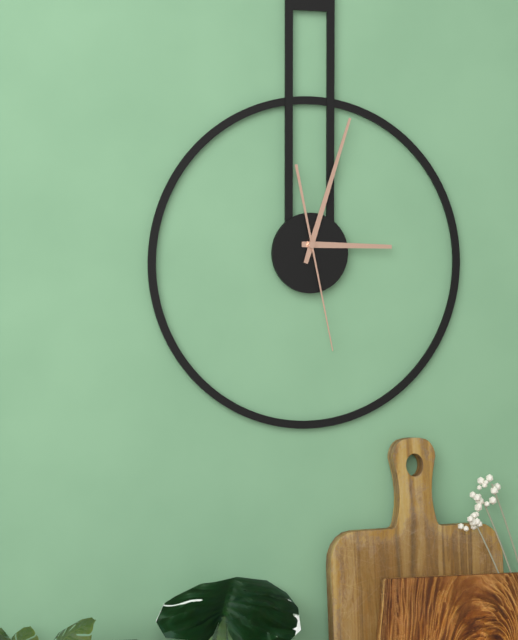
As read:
{"hour": 3, "minute": 3, "second": 28}
